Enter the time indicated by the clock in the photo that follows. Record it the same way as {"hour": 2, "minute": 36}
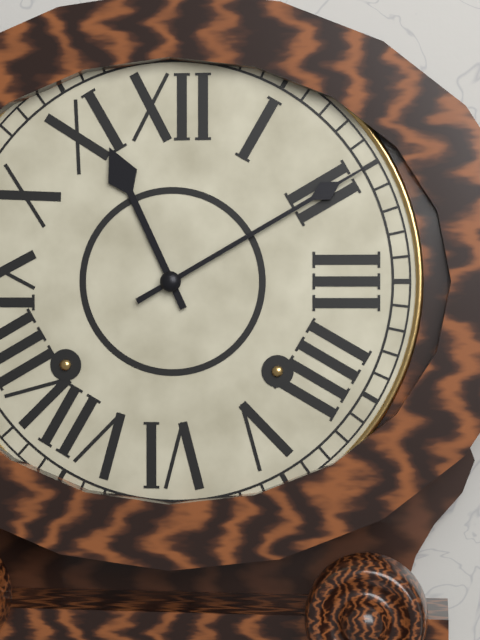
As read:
{"hour": 11, "minute": 10}
